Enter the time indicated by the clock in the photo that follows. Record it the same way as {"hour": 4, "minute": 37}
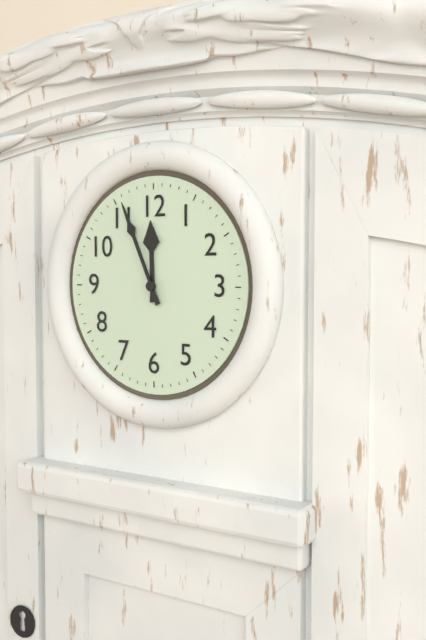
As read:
{"hour": 11, "minute": 56}
